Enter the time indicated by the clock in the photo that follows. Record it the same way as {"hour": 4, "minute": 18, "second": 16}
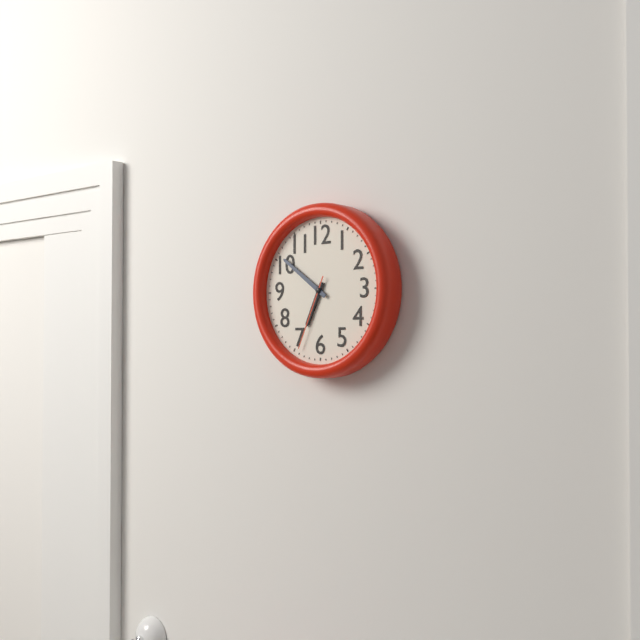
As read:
{"hour": 6, "minute": 51, "second": 34}
